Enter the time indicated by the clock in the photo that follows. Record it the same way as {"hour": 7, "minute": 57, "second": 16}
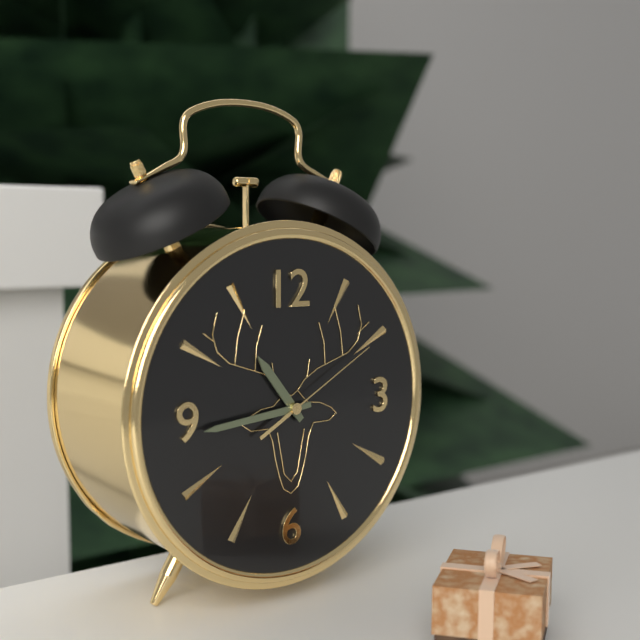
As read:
{"hour": 10, "minute": 44, "second": 10}
